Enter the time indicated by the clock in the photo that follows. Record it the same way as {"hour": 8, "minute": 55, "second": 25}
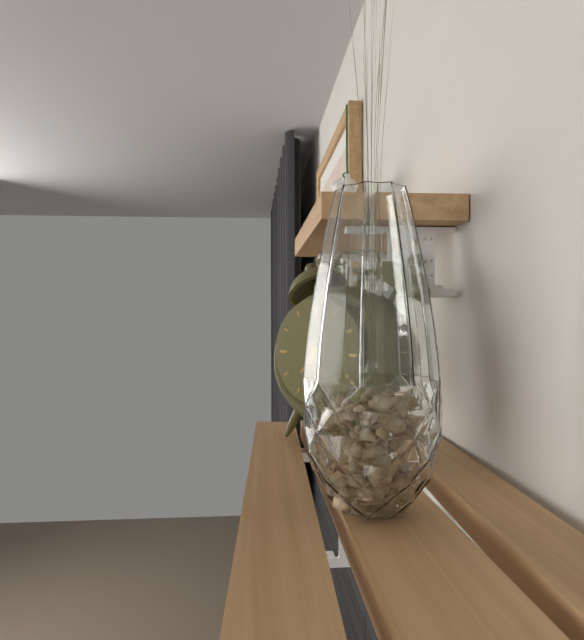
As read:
{"hour": 7, "minute": 29, "second": 24}
